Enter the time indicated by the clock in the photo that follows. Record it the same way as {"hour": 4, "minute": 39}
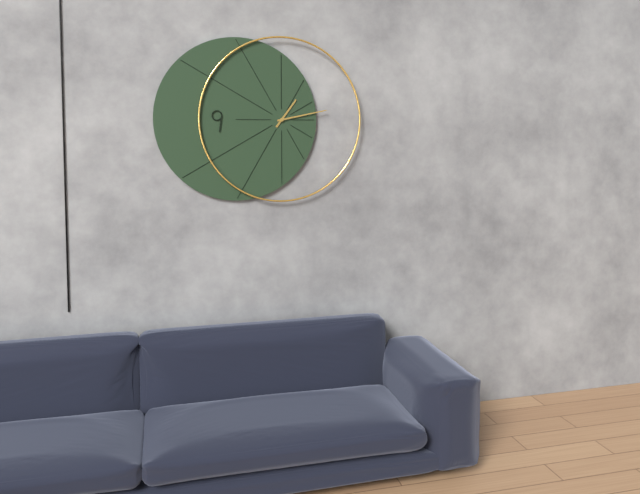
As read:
{"hour": 1, "minute": 13}
